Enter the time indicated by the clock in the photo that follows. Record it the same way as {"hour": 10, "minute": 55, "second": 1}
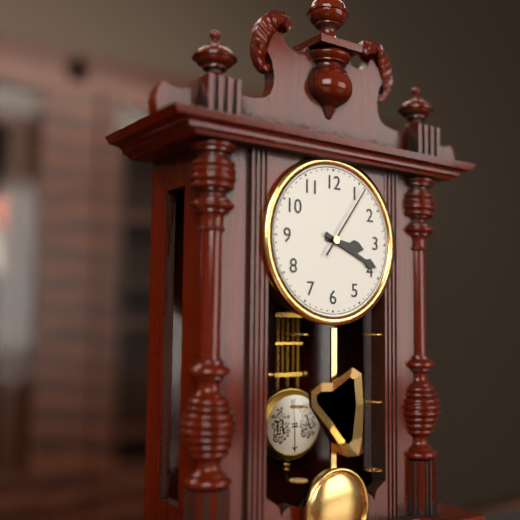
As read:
{"hour": 3, "minute": 19, "second": 6}
